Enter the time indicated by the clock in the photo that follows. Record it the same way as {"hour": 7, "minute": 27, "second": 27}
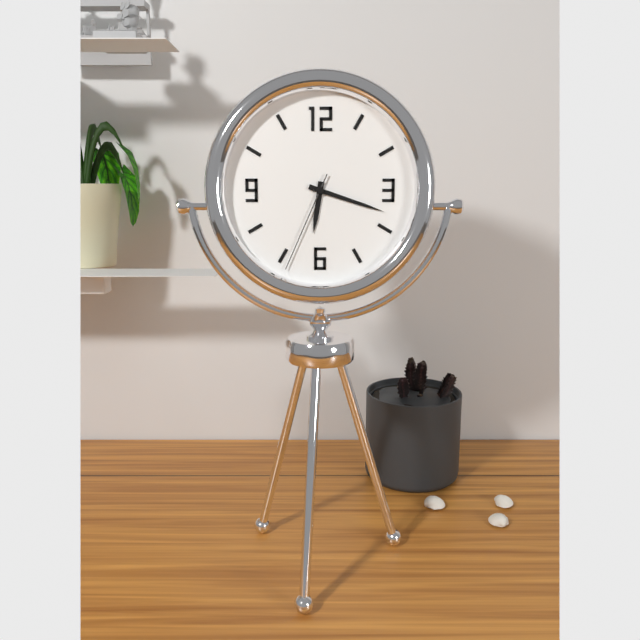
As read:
{"hour": 6, "minute": 18, "second": 34}
